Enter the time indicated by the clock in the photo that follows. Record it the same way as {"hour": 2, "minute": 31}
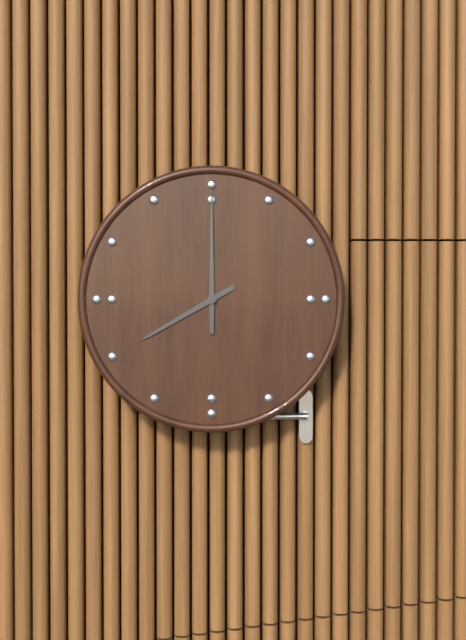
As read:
{"hour": 8, "minute": 0}
